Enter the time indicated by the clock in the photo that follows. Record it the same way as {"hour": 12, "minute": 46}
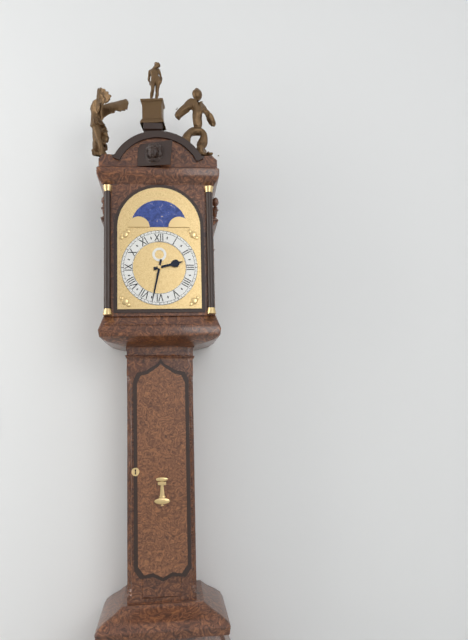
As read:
{"hour": 2, "minute": 32}
